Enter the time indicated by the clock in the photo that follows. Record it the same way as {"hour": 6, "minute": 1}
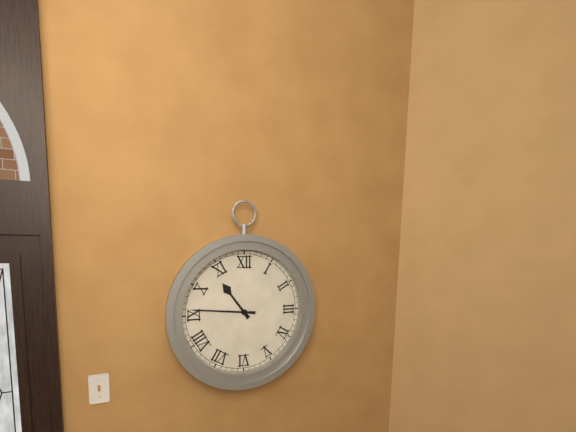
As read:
{"hour": 10, "minute": 46}
